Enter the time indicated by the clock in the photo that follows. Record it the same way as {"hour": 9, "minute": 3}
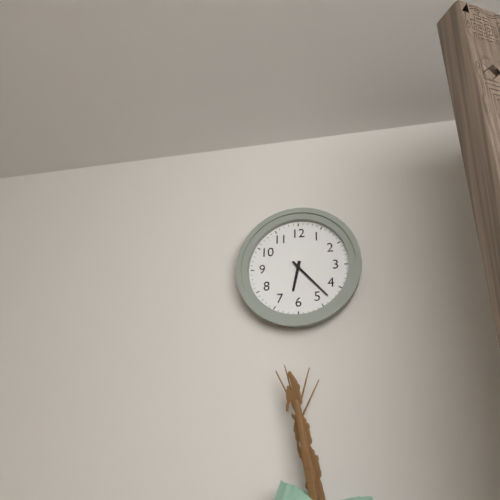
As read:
{"hour": 6, "minute": 23}
